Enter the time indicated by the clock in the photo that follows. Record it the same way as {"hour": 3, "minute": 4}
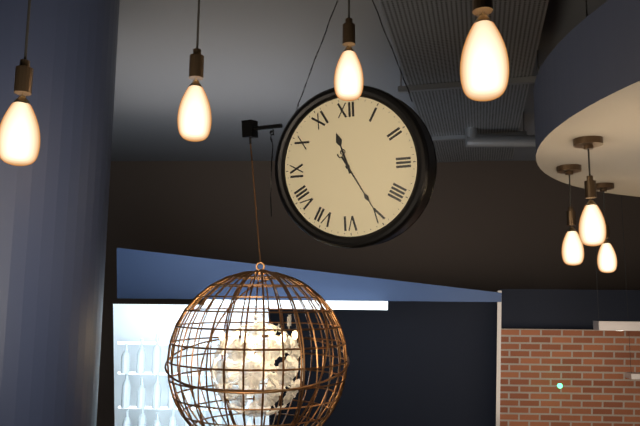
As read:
{"hour": 11, "minute": 25}
